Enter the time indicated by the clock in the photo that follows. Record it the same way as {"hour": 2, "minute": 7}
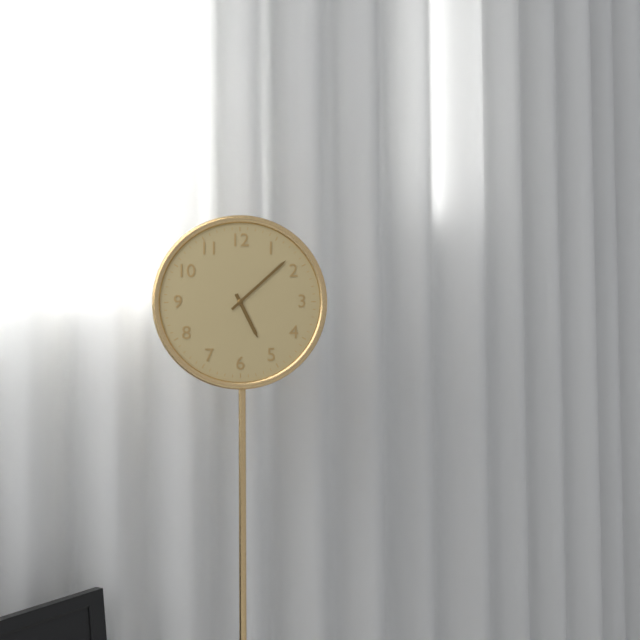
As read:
{"hour": 5, "minute": 8}
